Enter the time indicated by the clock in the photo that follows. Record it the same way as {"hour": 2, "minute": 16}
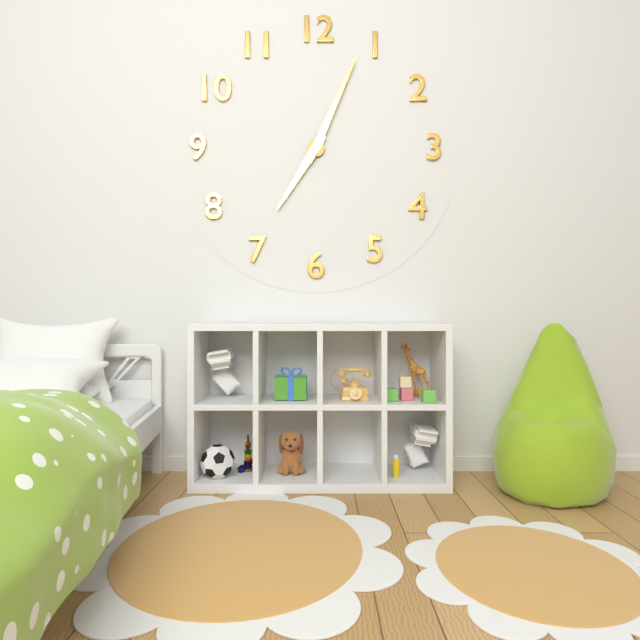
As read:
{"hour": 7, "minute": 4}
